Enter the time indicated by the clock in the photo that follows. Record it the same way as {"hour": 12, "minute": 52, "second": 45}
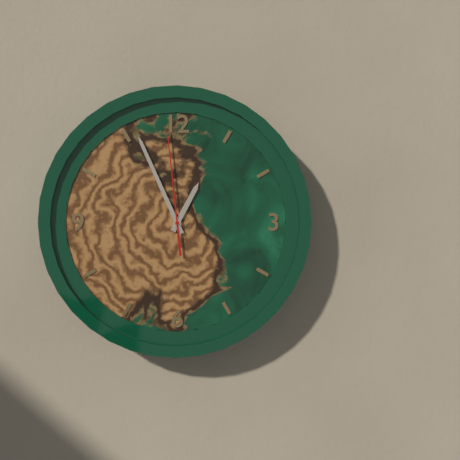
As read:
{"hour": 12, "minute": 56, "second": 59}
